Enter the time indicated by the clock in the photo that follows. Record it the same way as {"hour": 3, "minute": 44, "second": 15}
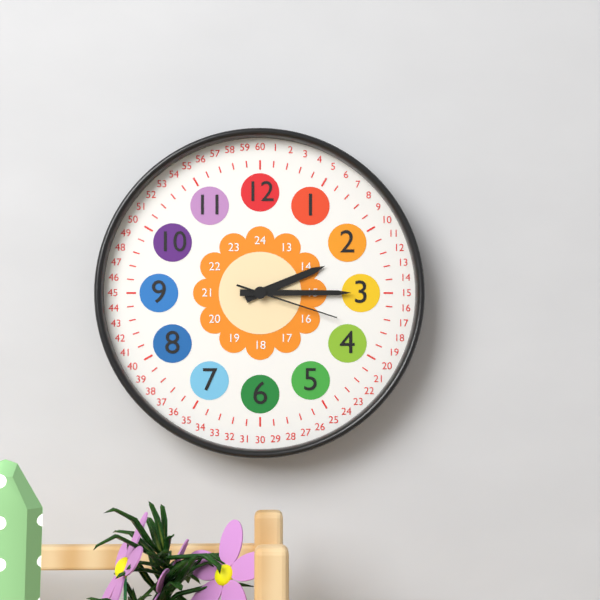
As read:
{"hour": 2, "minute": 15, "second": 18}
